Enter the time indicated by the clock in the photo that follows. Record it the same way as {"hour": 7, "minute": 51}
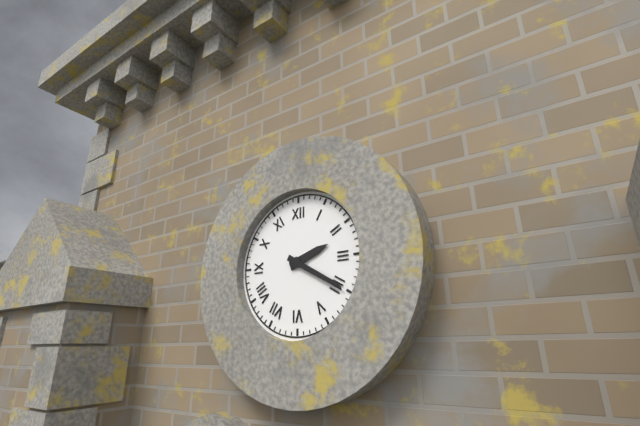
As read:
{"hour": 2, "minute": 20}
